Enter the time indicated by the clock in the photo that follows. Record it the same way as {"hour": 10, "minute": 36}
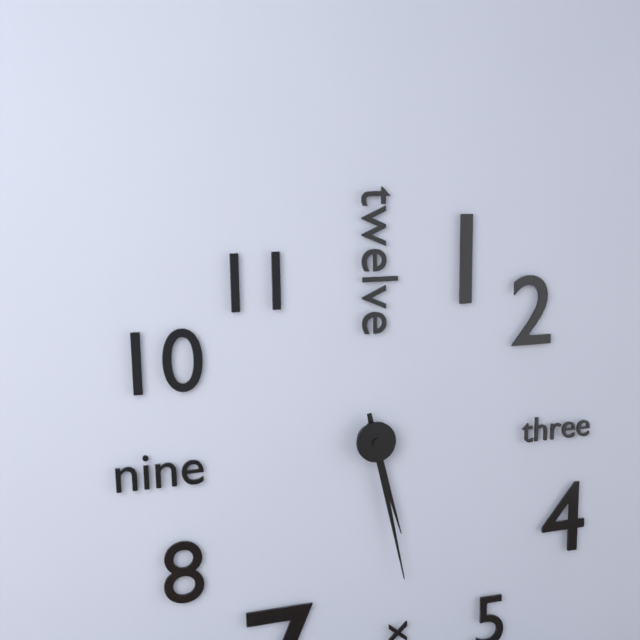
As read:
{"hour": 5, "minute": 28}
